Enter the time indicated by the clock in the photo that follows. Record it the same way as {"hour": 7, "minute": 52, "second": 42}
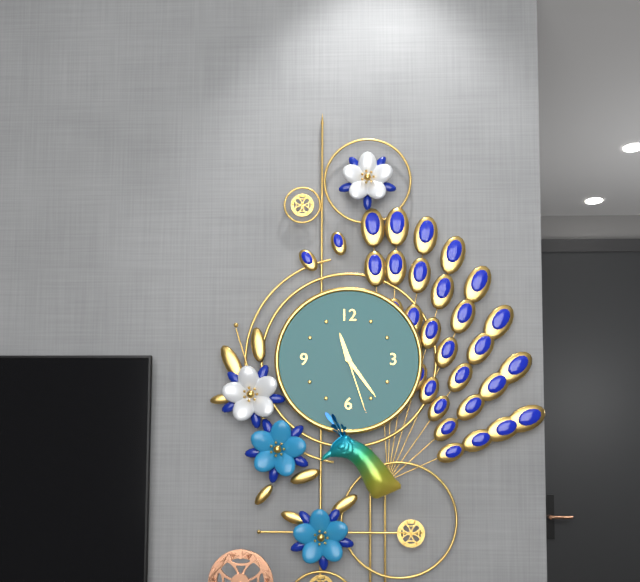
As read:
{"hour": 11, "minute": 24, "second": 27}
